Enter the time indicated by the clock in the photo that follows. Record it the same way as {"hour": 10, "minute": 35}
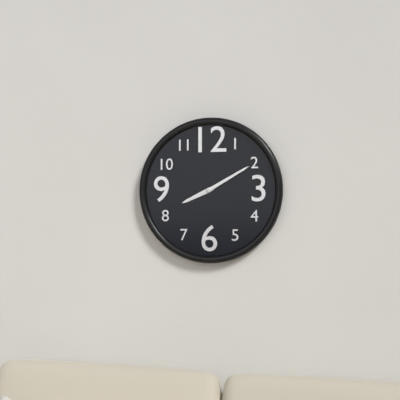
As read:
{"hour": 8, "minute": 10}
